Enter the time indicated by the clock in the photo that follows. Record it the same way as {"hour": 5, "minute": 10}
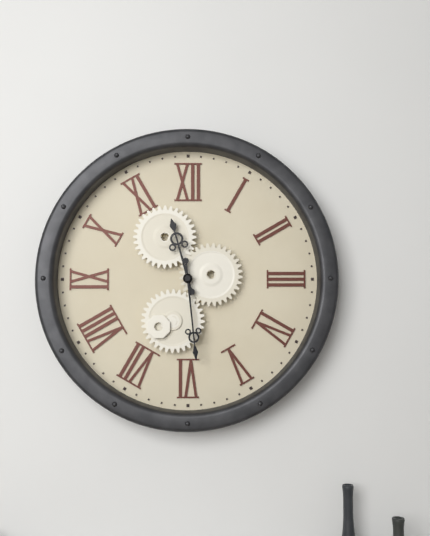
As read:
{"hour": 11, "minute": 29}
